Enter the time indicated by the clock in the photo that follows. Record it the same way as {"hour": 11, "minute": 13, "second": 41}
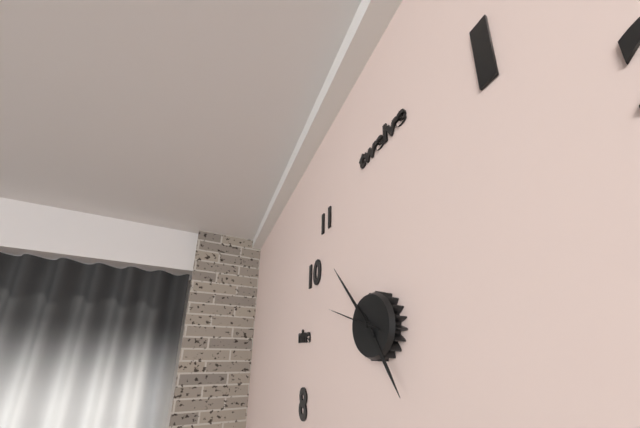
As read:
{"hour": 4, "minute": 53, "second": 48}
